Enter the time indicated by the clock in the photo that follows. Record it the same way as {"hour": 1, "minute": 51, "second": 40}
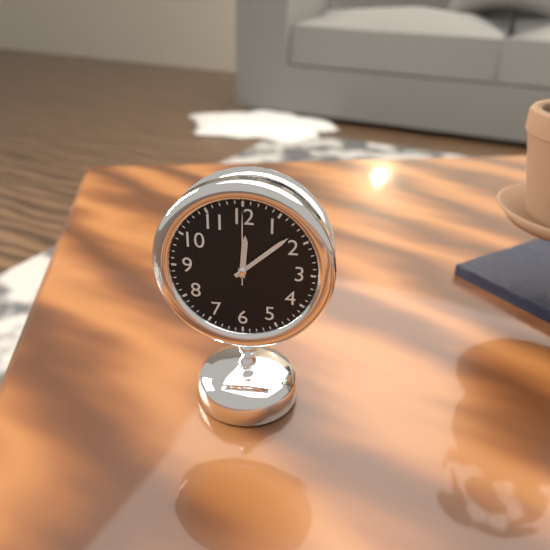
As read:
{"hour": 12, "minute": 8, "second": 0}
